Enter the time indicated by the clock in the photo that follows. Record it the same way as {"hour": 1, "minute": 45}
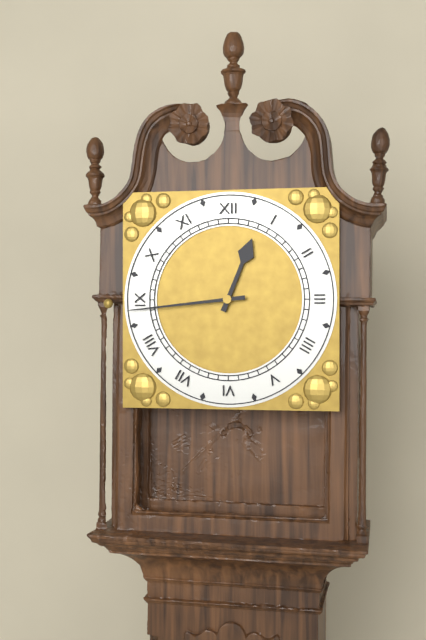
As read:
{"hour": 12, "minute": 44}
